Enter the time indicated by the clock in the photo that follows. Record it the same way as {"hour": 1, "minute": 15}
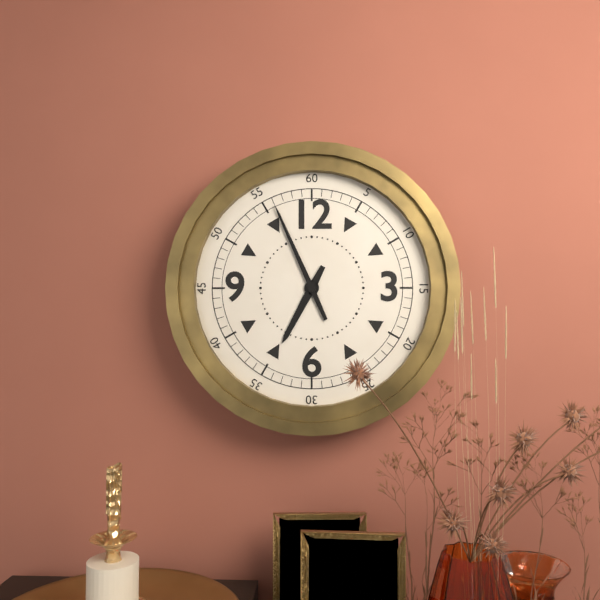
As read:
{"hour": 6, "minute": 56}
